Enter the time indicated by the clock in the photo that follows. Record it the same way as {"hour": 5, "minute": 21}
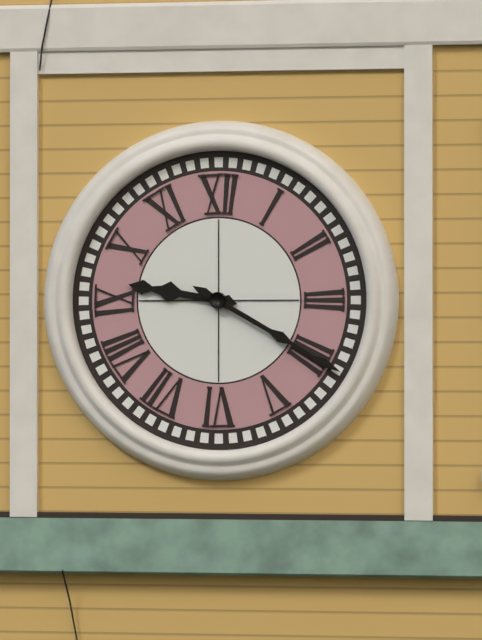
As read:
{"hour": 9, "minute": 20}
